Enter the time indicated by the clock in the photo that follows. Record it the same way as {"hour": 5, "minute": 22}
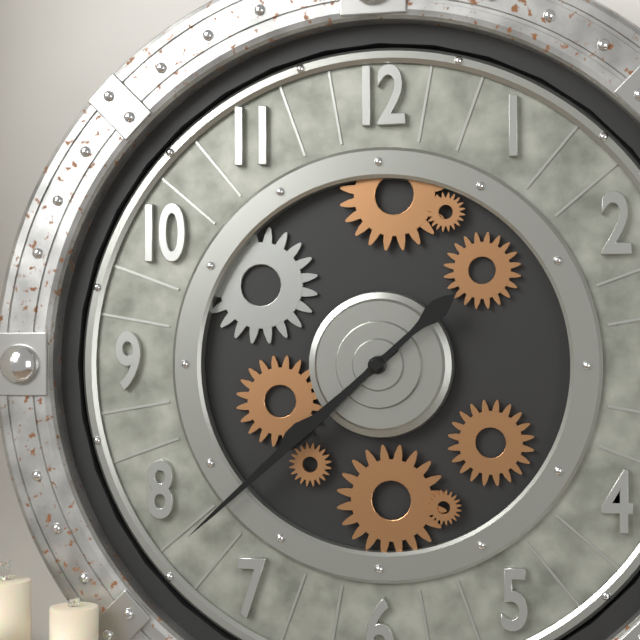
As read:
{"hour": 7, "minute": 38}
